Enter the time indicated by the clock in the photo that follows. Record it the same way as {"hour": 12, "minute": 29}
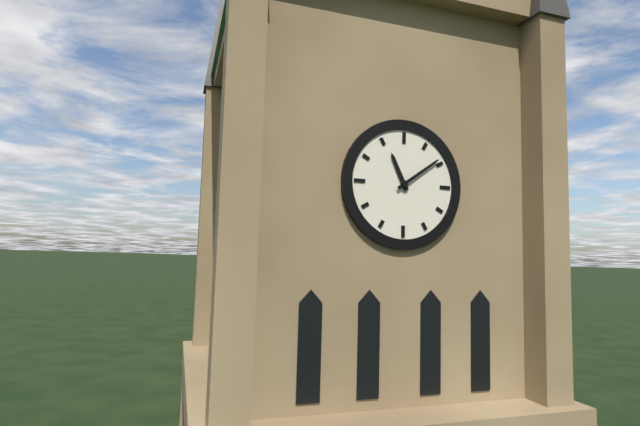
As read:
{"hour": 11, "minute": 9}
